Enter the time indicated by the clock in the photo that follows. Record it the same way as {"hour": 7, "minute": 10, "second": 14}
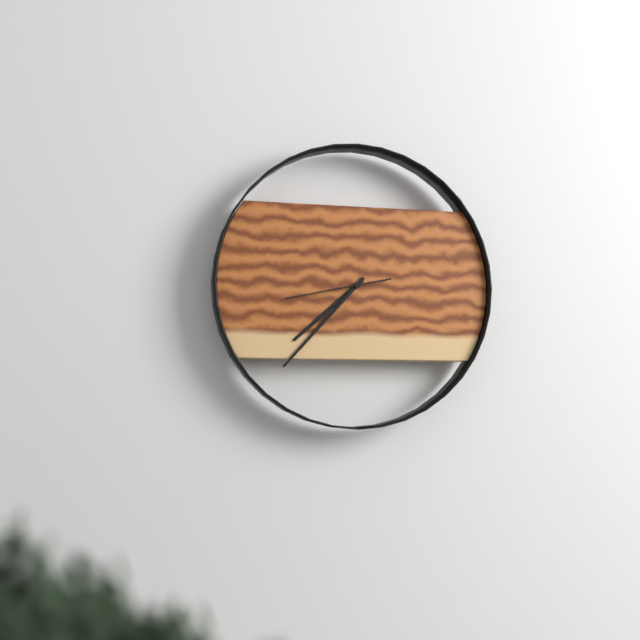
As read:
{"hour": 7, "minute": 37, "second": 43}
